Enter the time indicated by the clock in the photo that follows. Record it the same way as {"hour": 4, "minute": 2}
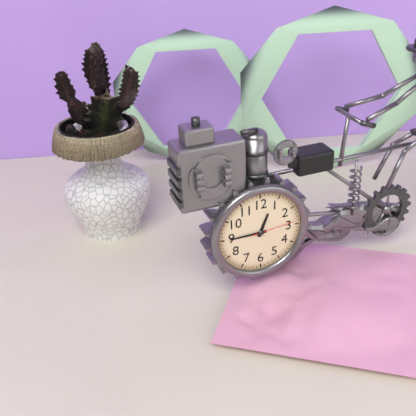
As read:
{"hour": 12, "minute": 45}
